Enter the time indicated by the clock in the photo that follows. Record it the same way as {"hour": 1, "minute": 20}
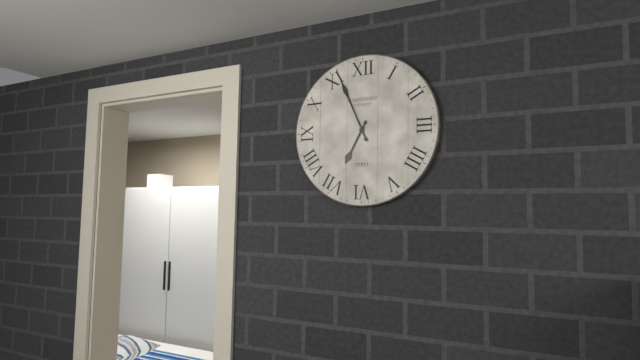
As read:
{"hour": 6, "minute": 56}
